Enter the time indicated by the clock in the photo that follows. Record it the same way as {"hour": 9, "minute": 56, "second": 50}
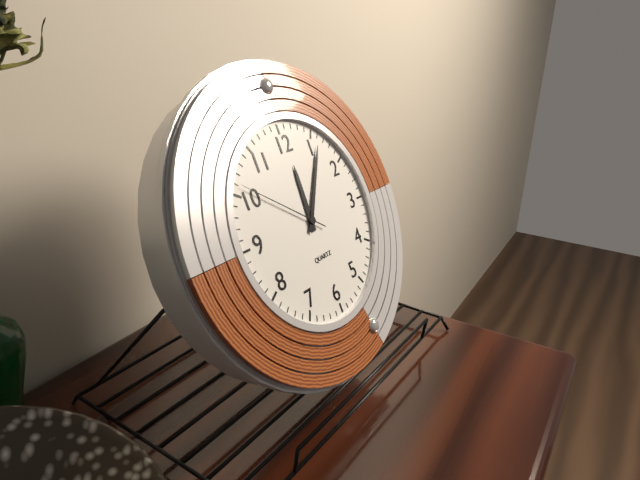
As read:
{"hour": 12, "minute": 6, "second": 51}
